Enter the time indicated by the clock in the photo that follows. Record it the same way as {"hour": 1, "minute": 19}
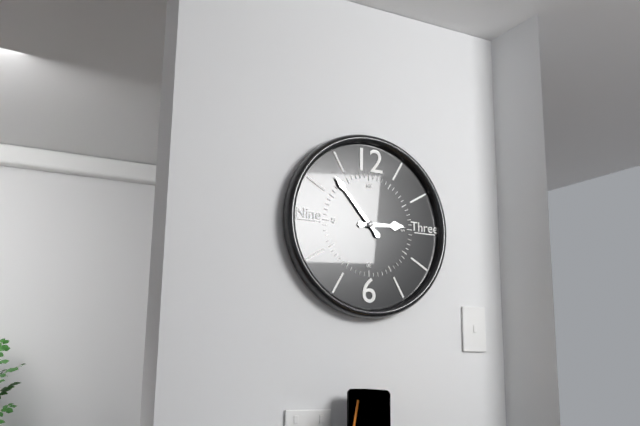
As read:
{"hour": 2, "minute": 53}
